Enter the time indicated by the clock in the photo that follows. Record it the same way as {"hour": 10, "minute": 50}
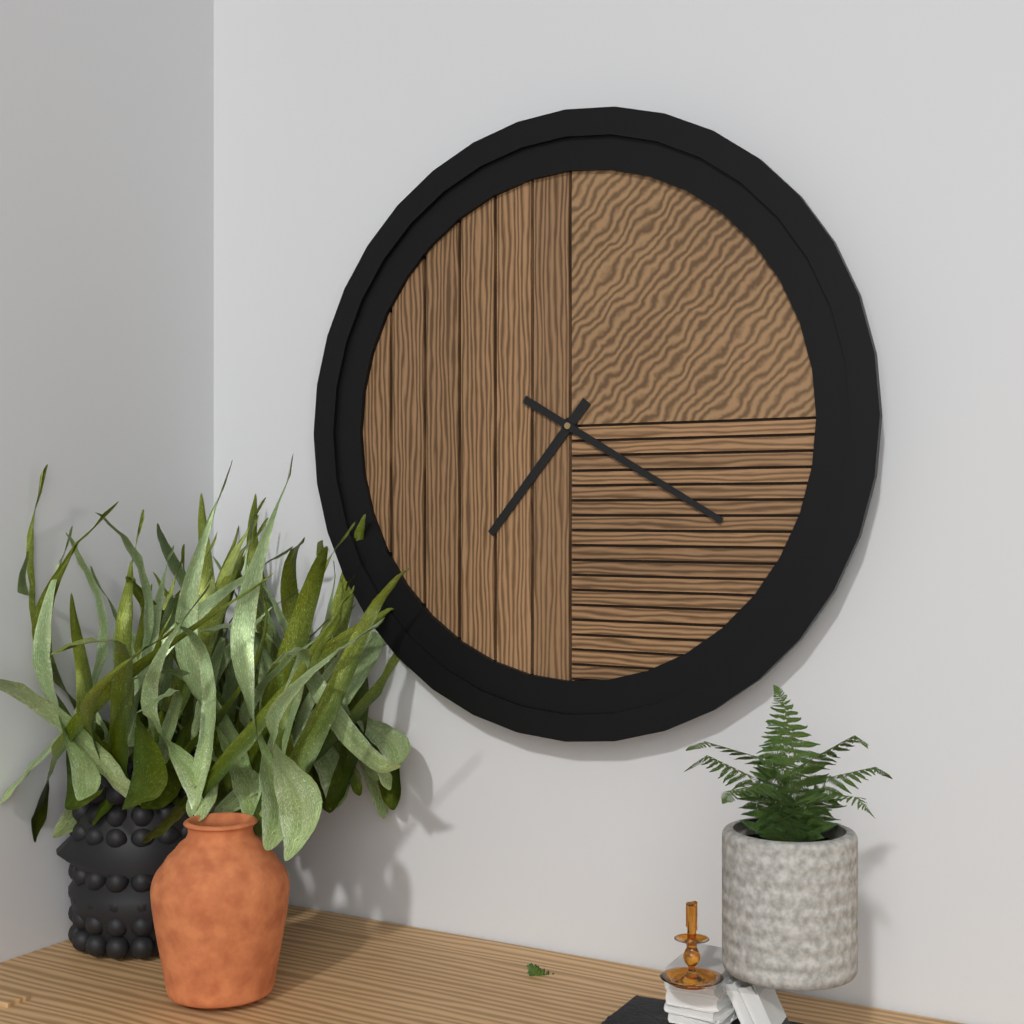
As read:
{"hour": 7, "minute": 20}
